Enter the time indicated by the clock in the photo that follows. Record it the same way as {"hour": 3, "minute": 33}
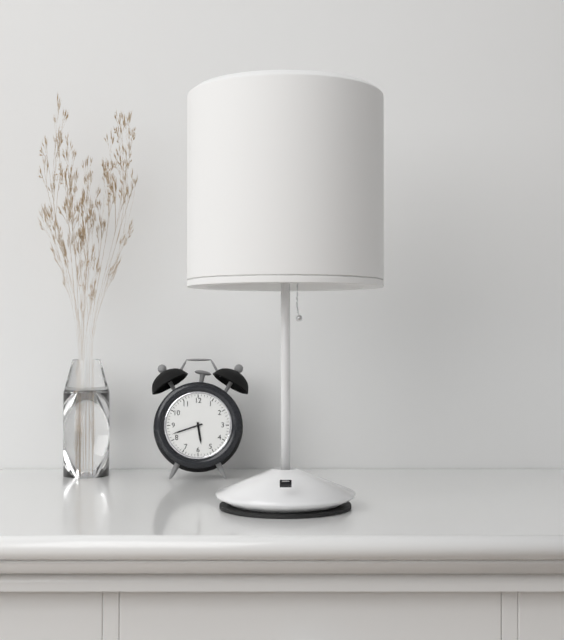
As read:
{"hour": 5, "minute": 42}
